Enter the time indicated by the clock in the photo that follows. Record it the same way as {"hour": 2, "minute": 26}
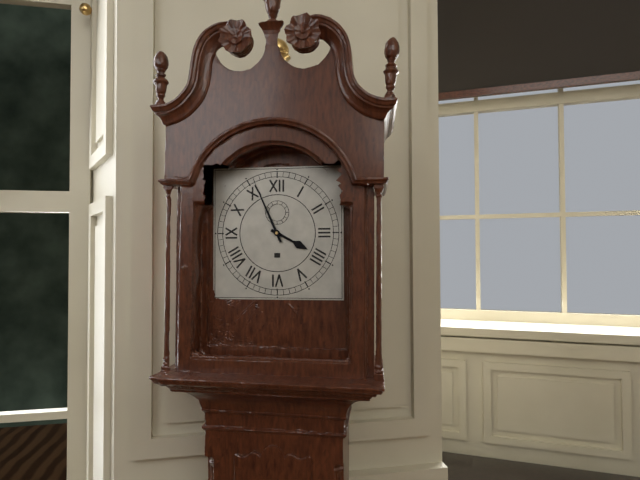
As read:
{"hour": 3, "minute": 56}
